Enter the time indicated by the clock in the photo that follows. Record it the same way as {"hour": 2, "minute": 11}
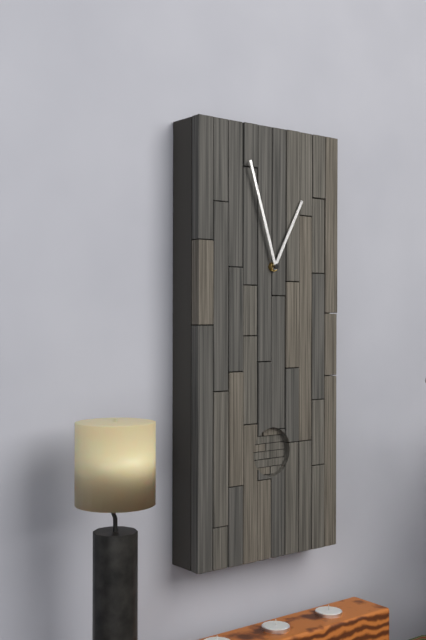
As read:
{"hour": 12, "minute": 57}
